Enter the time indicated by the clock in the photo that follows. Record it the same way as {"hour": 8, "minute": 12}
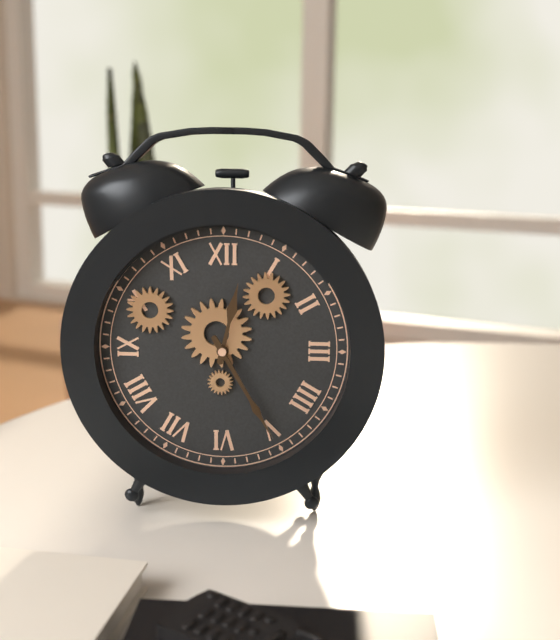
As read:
{"hour": 12, "minute": 25}
